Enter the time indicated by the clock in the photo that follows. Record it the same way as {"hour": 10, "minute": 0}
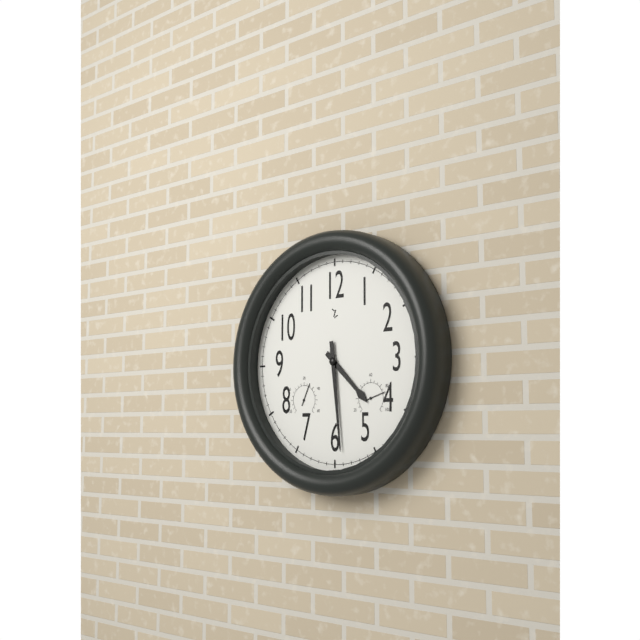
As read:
{"hour": 4, "minute": 29}
